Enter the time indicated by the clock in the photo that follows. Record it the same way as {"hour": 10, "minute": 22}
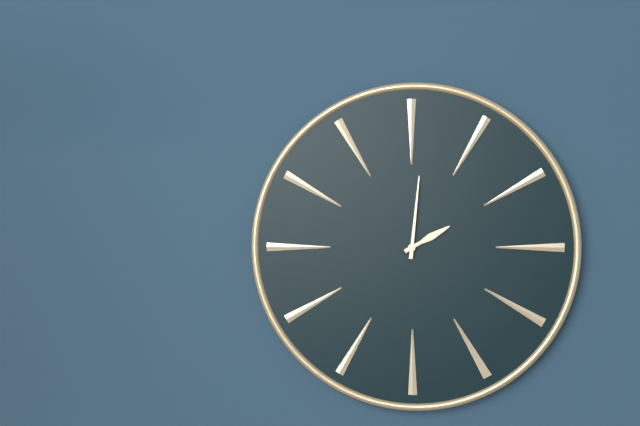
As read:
{"hour": 2, "minute": 1}
